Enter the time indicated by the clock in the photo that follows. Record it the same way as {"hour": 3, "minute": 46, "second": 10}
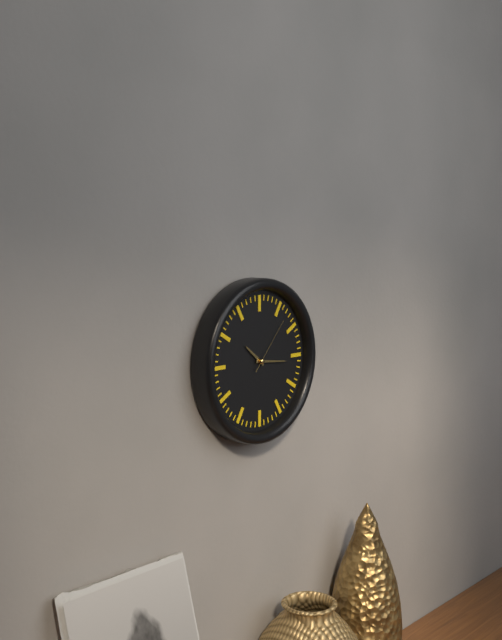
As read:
{"hour": 10, "minute": 16, "second": 7}
